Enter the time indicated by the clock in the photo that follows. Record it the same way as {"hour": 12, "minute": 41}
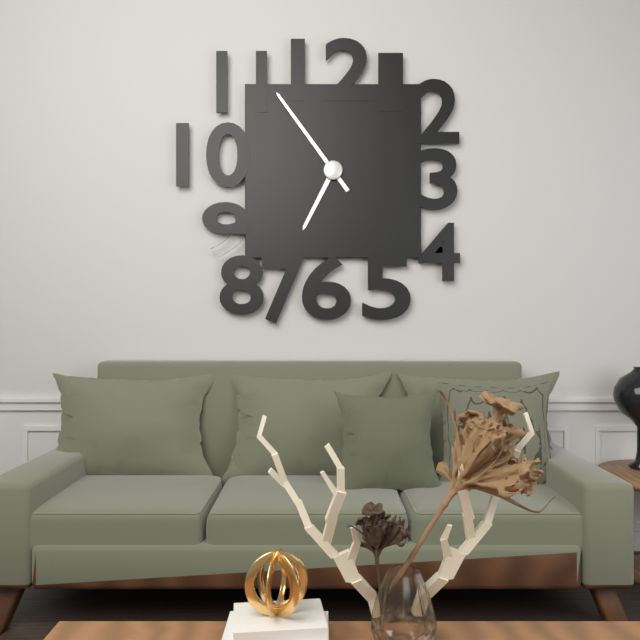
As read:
{"hour": 6, "minute": 54}
